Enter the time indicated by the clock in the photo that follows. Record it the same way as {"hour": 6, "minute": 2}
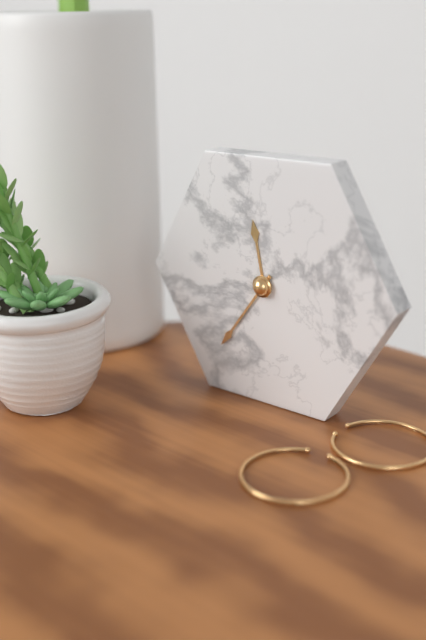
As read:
{"hour": 11, "minute": 36}
